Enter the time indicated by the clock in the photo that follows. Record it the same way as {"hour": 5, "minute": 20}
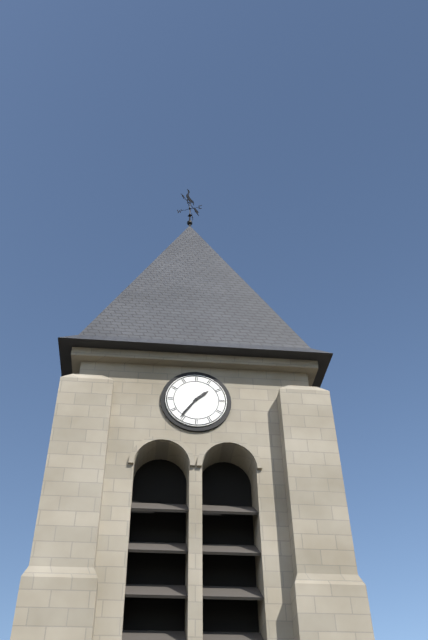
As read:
{"hour": 1, "minute": 36}
